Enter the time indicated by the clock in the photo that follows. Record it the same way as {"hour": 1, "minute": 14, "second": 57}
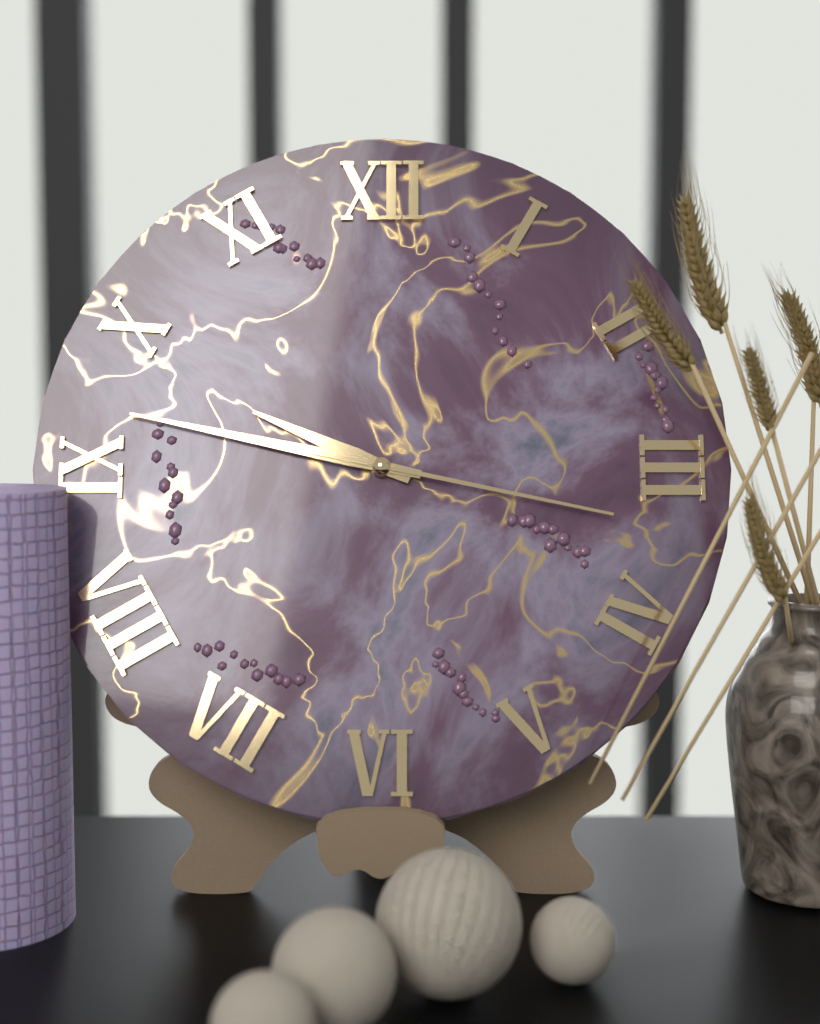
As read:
{"hour": 9, "minute": 47, "second": 17}
